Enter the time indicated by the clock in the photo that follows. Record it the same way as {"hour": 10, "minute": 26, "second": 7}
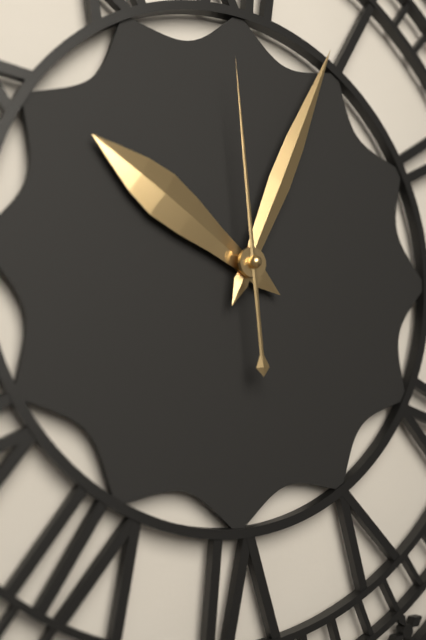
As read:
{"hour": 10, "minute": 4, "second": 59}
